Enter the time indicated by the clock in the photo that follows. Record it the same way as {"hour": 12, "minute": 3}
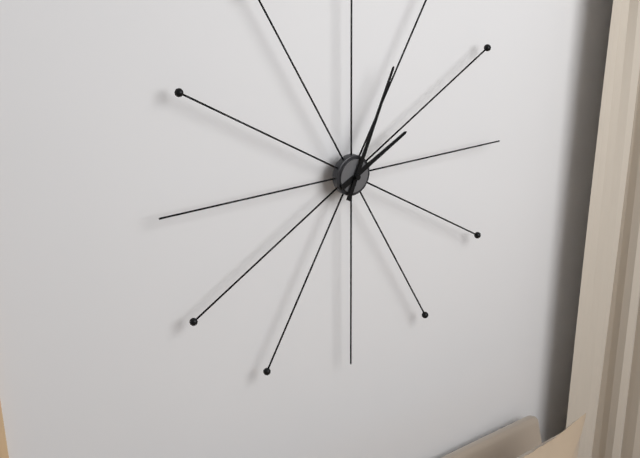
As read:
{"hour": 2, "minute": 4}
